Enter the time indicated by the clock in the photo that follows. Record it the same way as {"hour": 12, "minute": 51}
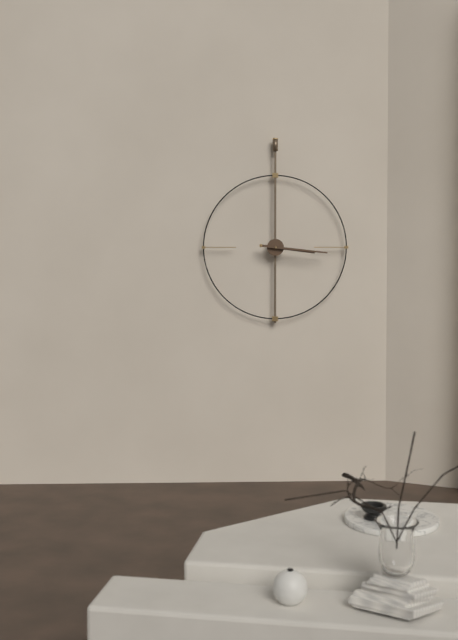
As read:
{"hour": 3, "minute": 16}
